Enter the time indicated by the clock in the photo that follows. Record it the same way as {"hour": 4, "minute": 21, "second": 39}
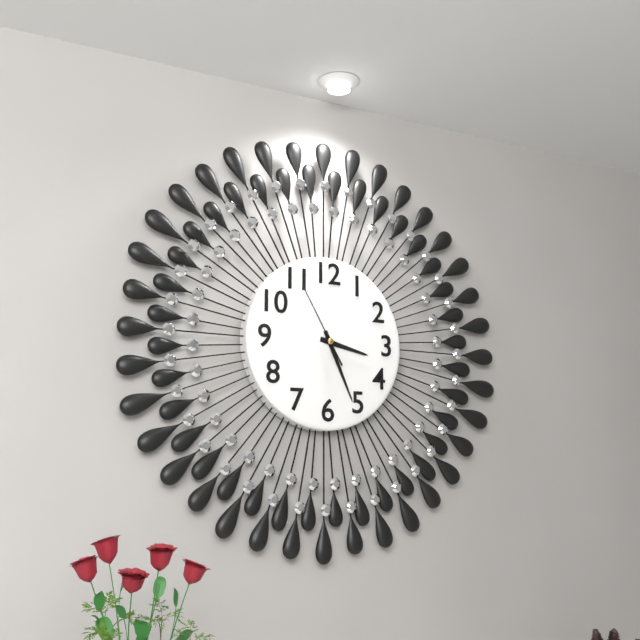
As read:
{"hour": 3, "minute": 26, "second": 55}
